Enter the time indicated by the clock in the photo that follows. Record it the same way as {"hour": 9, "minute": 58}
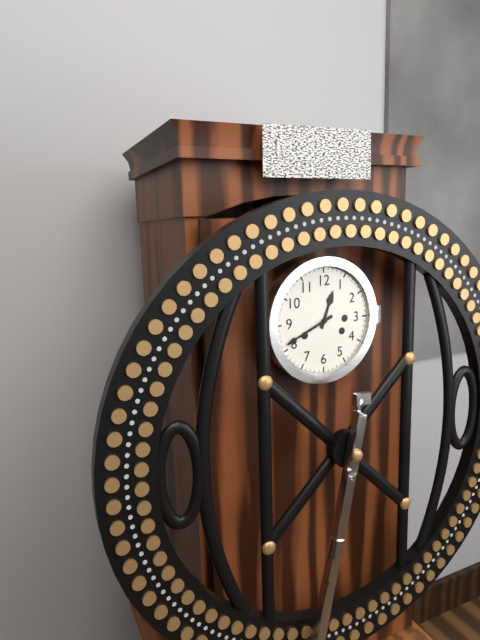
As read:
{"hour": 12, "minute": 41}
